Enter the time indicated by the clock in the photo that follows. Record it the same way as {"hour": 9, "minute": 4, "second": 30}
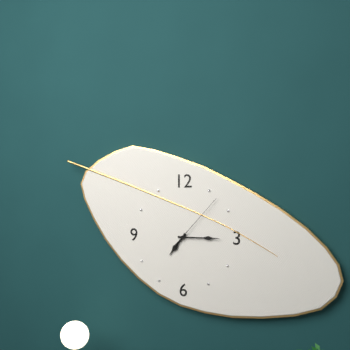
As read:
{"hour": 7, "minute": 15, "second": 7}
